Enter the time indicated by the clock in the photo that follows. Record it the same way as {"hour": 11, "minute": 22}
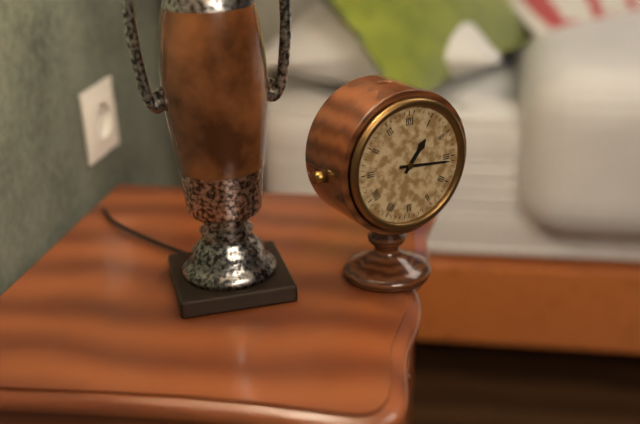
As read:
{"hour": 1, "minute": 16}
